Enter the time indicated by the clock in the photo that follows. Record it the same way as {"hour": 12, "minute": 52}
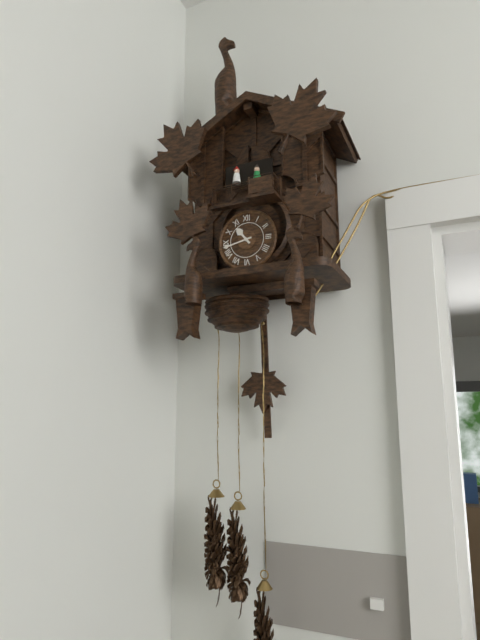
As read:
{"hour": 10, "minute": 43}
